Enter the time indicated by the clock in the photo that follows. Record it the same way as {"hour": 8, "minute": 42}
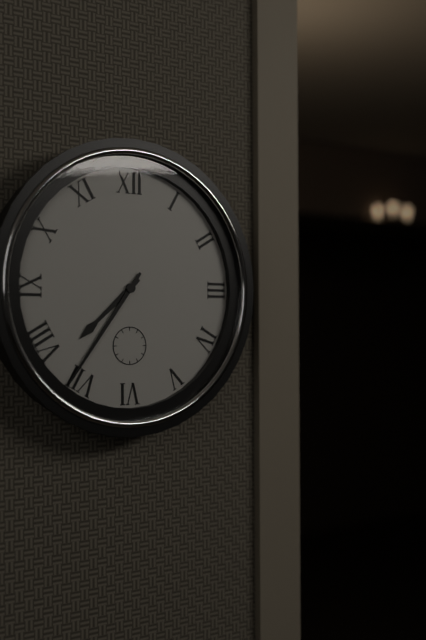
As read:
{"hour": 7, "minute": 36}
